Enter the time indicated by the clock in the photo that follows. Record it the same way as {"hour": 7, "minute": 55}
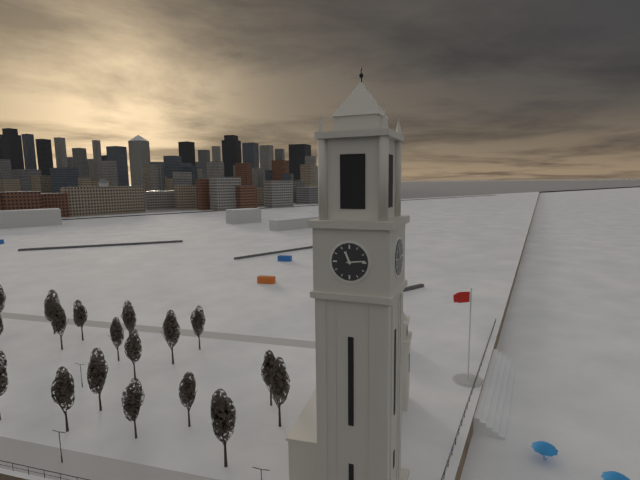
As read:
{"hour": 11, "minute": 14}
